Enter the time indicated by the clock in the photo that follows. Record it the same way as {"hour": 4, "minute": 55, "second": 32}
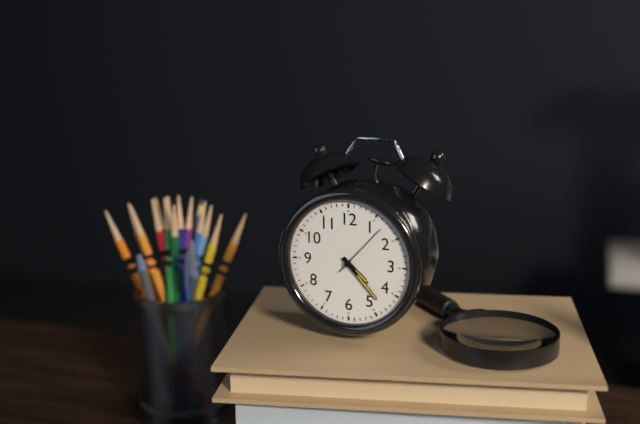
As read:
{"hour": 4, "minute": 23, "second": 7}
